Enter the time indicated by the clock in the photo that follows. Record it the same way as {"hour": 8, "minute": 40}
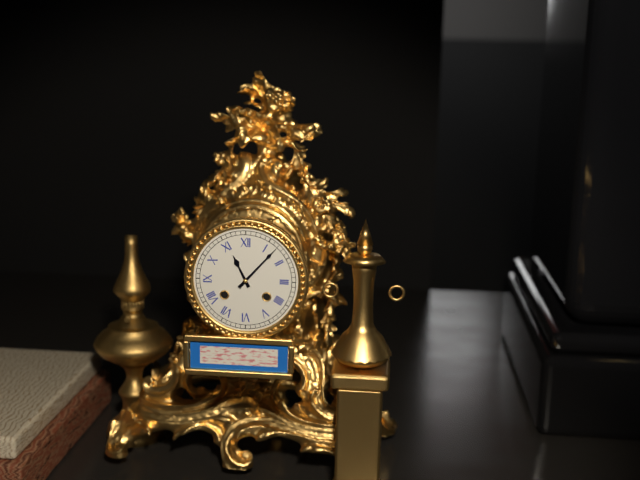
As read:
{"hour": 11, "minute": 7}
